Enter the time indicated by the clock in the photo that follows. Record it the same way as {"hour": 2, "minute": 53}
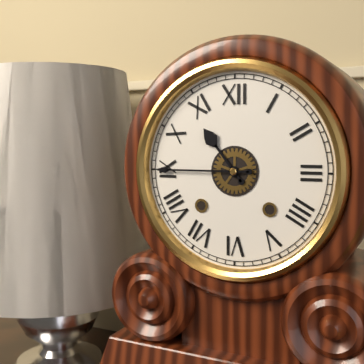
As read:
{"hour": 10, "minute": 45}
